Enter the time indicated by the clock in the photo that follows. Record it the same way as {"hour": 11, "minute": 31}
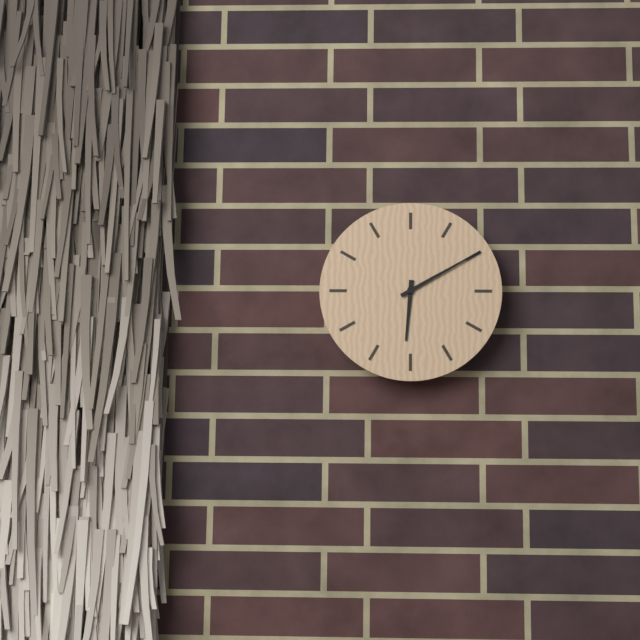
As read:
{"hour": 6, "minute": 10}
